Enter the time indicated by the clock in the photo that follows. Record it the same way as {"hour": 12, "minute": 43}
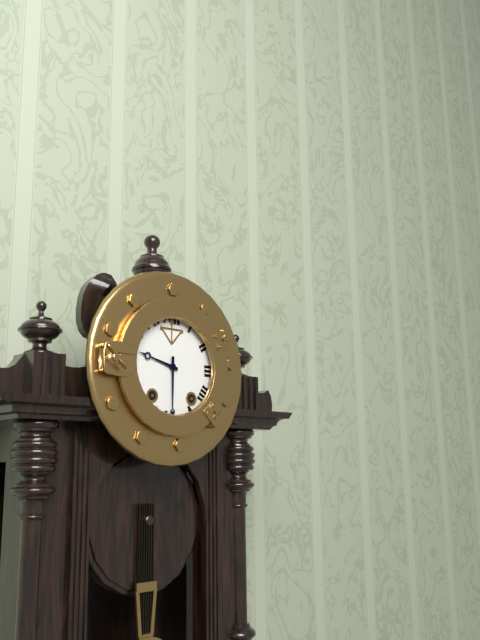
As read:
{"hour": 9, "minute": 30}
